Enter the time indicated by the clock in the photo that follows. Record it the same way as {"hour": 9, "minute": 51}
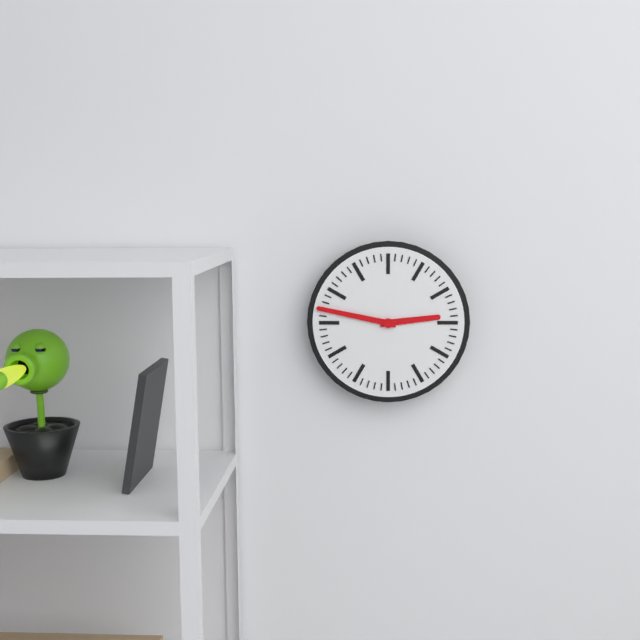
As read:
{"hour": 2, "minute": 47}
